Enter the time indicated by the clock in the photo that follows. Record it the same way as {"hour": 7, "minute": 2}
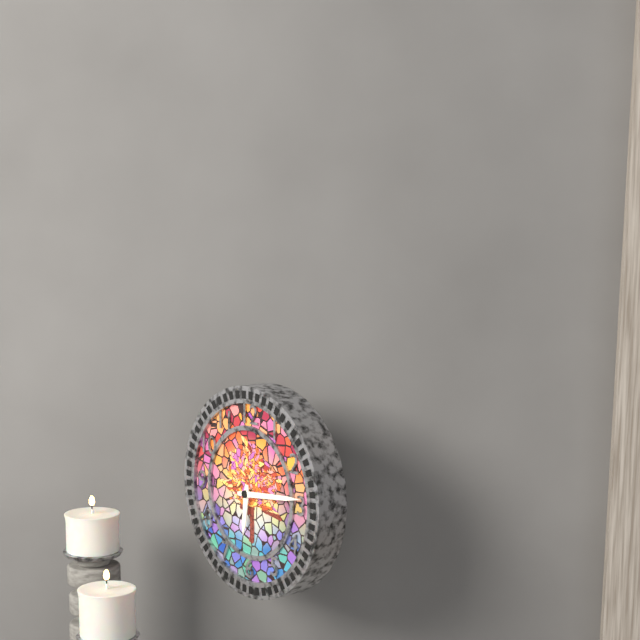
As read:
{"hour": 6, "minute": 14}
